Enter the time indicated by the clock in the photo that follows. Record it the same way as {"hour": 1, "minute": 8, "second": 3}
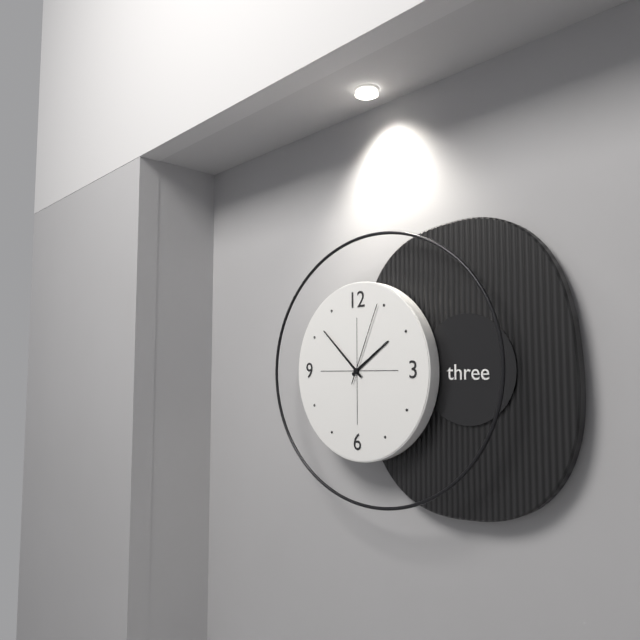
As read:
{"hour": 1, "minute": 52, "second": 4}
